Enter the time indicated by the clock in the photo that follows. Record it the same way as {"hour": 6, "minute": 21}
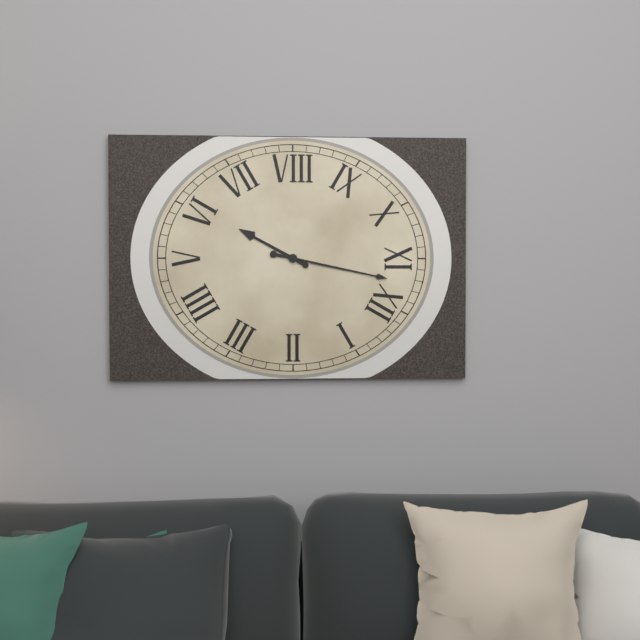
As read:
{"hour": 5, "minute": 57}
